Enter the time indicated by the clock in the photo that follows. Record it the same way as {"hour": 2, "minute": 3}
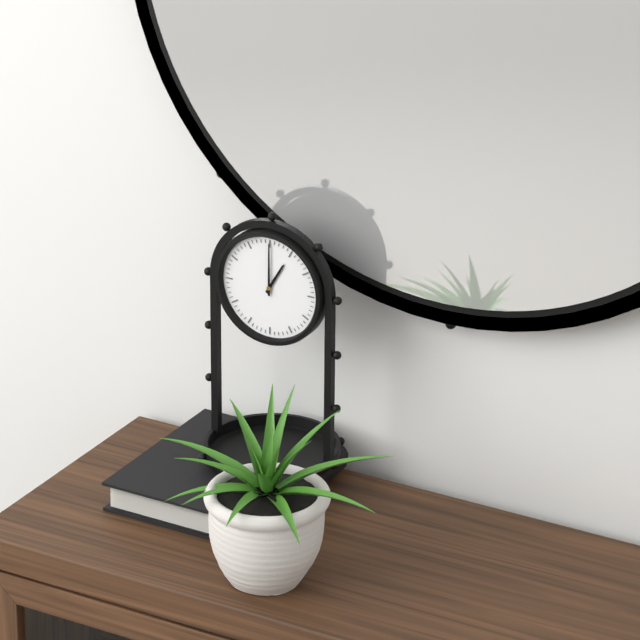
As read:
{"hour": 1, "minute": 0}
